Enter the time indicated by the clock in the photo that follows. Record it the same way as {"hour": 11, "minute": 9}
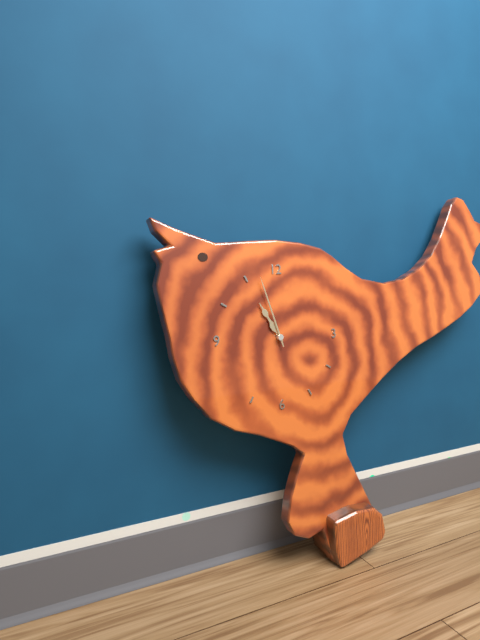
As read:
{"hour": 10, "minute": 57}
